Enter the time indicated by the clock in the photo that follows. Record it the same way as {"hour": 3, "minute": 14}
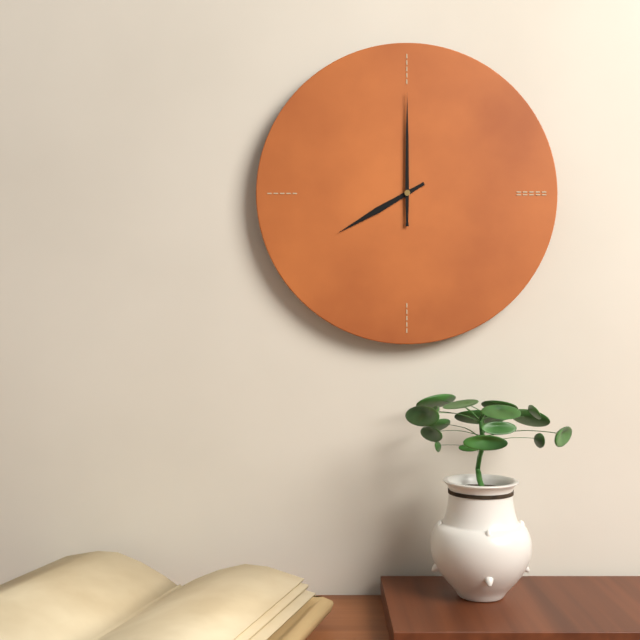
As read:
{"hour": 8, "minute": 0}
